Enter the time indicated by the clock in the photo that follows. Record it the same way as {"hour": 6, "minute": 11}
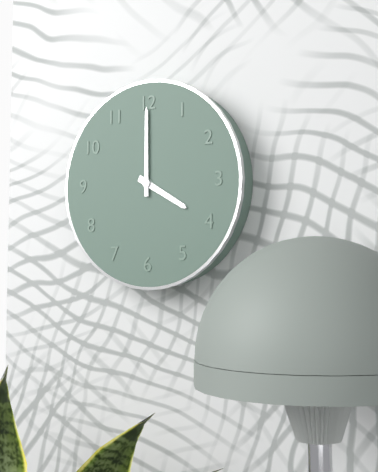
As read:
{"hour": 4, "minute": 0}
